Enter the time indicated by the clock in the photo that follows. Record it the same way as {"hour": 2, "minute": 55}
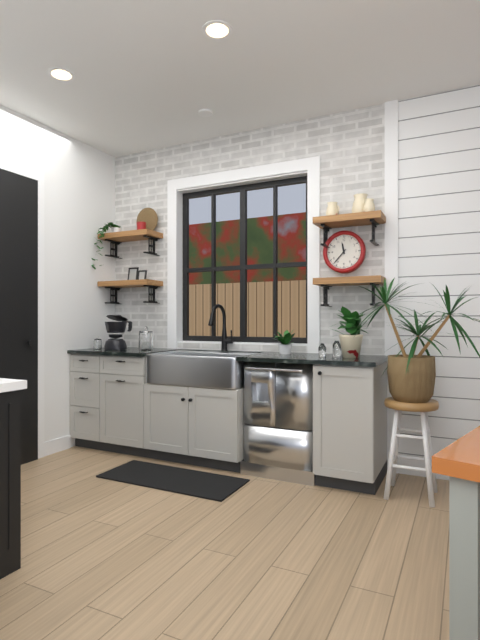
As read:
{"hour": 11, "minute": 37}
